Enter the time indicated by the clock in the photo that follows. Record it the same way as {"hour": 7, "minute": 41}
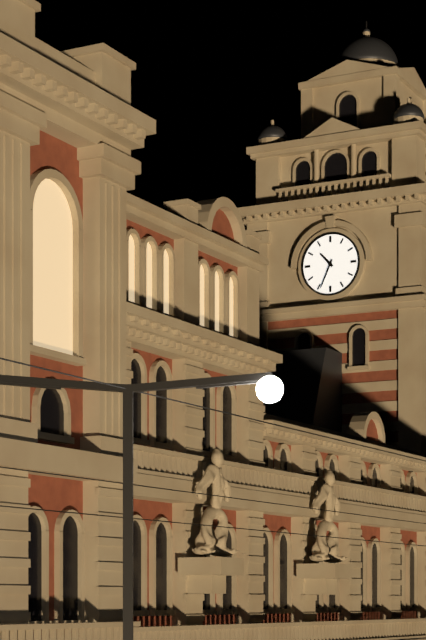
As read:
{"hour": 10, "minute": 34}
